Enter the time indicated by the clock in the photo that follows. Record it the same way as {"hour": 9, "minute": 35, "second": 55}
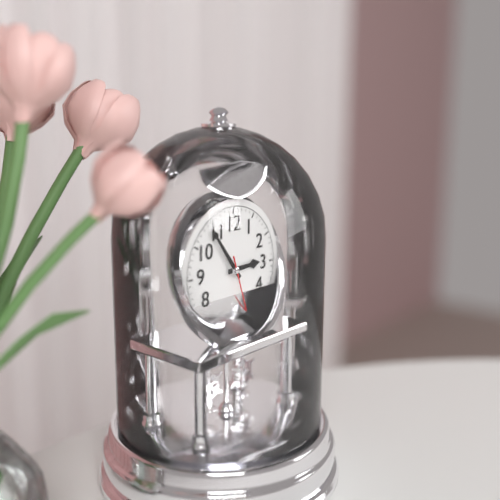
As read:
{"hour": 2, "minute": 54, "second": 27}
